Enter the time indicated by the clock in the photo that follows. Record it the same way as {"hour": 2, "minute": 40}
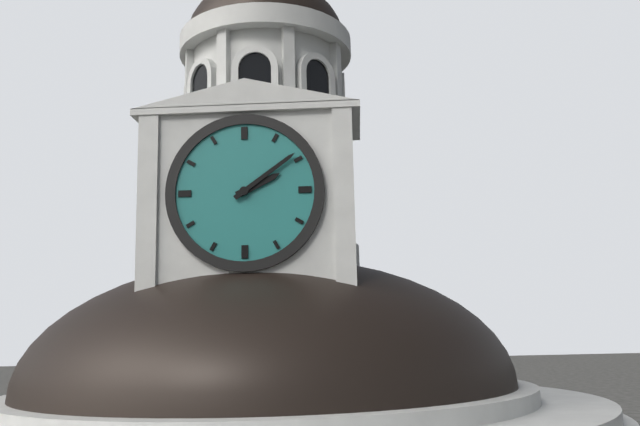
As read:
{"hour": 2, "minute": 9}
